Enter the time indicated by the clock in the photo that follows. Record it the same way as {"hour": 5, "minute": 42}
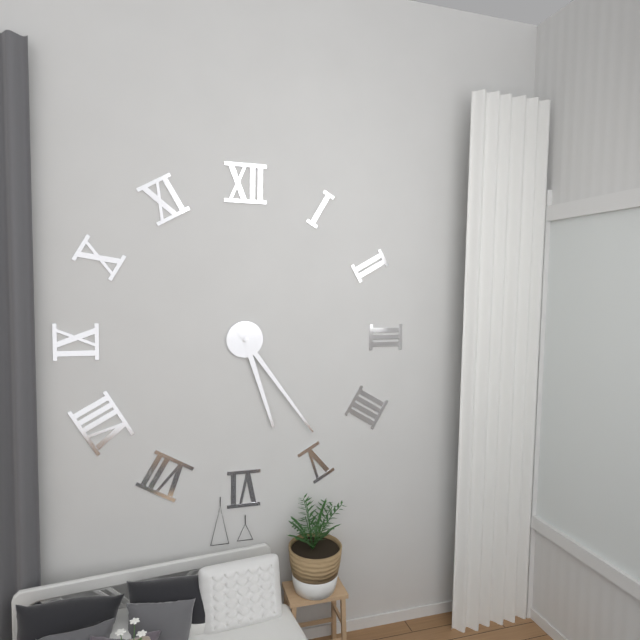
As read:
{"hour": 5, "minute": 24}
